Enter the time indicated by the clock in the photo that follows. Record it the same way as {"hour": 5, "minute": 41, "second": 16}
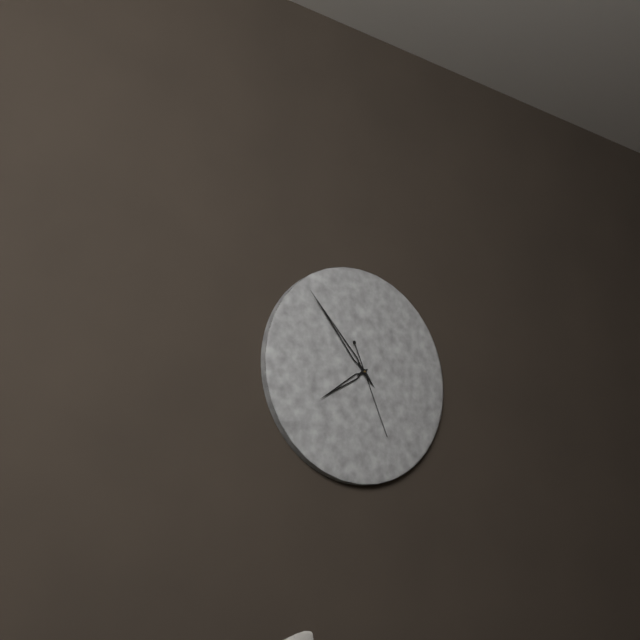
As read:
{"hour": 7, "minute": 53, "second": 26}
